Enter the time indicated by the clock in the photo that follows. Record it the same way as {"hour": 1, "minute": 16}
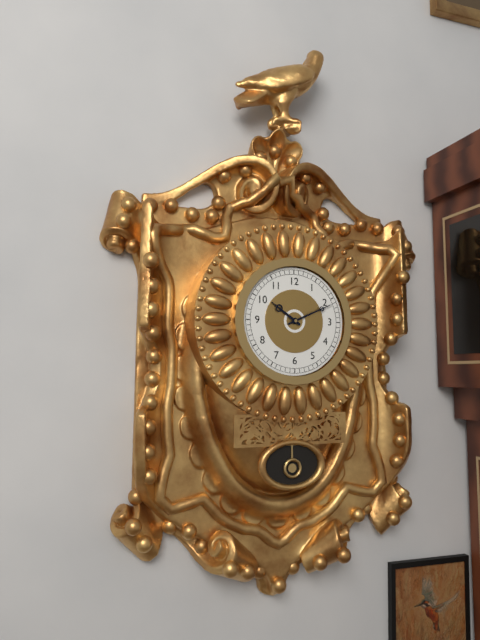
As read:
{"hour": 10, "minute": 11}
